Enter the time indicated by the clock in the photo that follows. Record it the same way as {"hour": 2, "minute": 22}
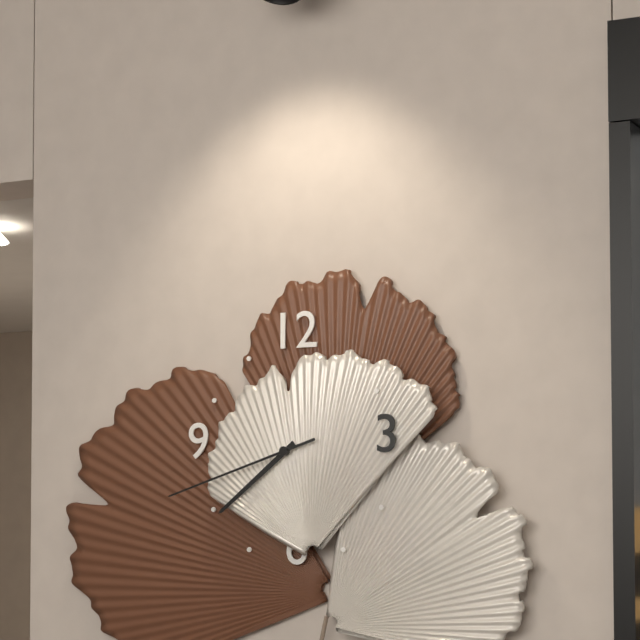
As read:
{"hour": 7, "minute": 42}
